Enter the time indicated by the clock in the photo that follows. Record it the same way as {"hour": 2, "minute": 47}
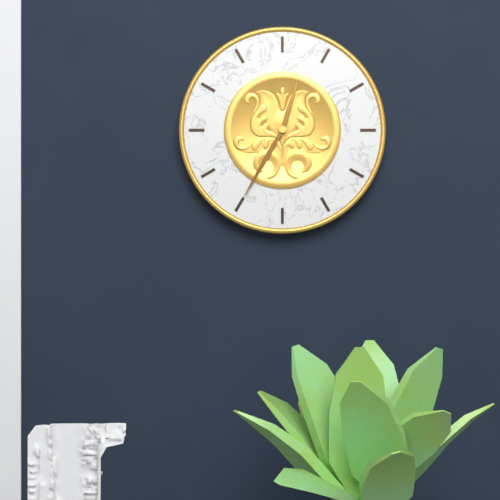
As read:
{"hour": 12, "minute": 35}
